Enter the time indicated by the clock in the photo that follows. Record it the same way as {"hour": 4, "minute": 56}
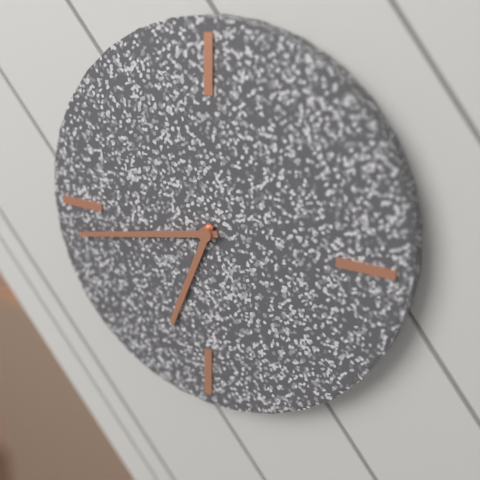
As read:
{"hour": 6, "minute": 43}
